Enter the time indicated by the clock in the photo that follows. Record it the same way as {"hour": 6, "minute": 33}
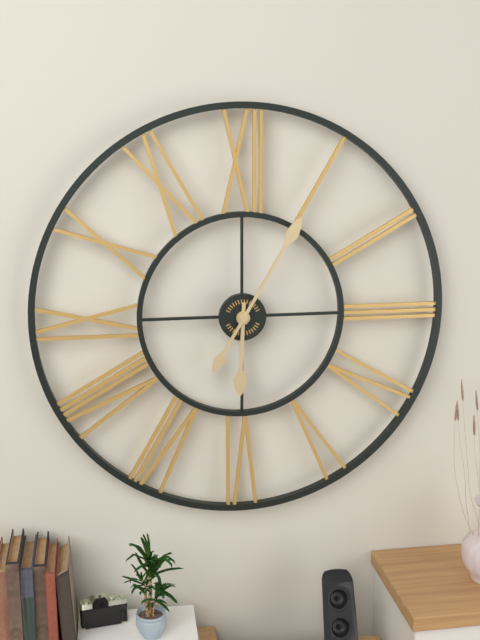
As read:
{"hour": 6, "minute": 5}
